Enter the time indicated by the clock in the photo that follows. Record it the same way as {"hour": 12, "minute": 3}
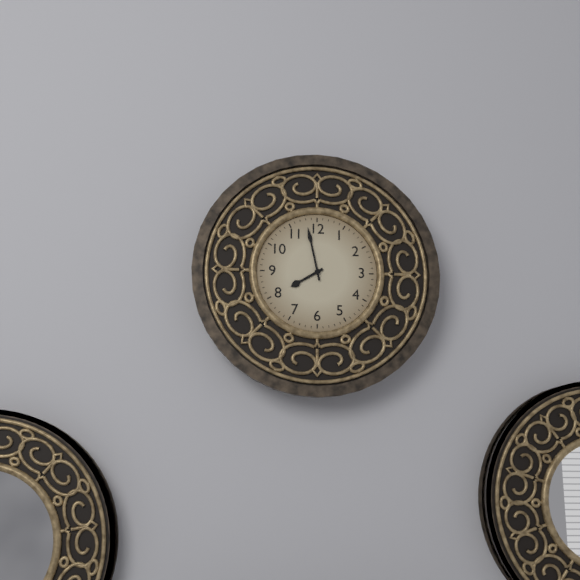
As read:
{"hour": 7, "minute": 58}
